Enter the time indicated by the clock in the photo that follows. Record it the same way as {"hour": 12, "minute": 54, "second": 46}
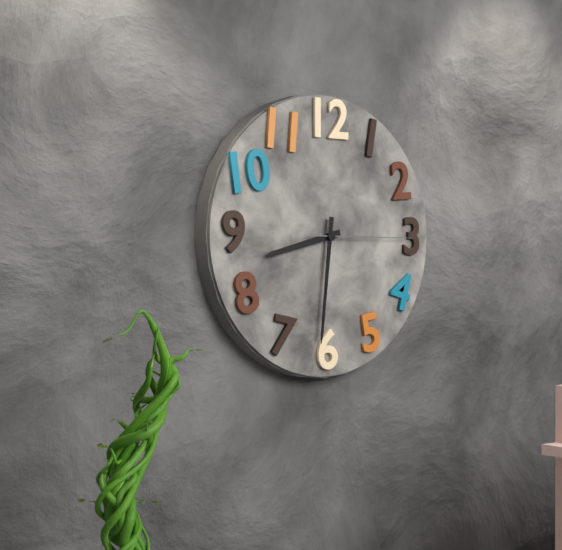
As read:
{"hour": 8, "minute": 31, "second": 15}
